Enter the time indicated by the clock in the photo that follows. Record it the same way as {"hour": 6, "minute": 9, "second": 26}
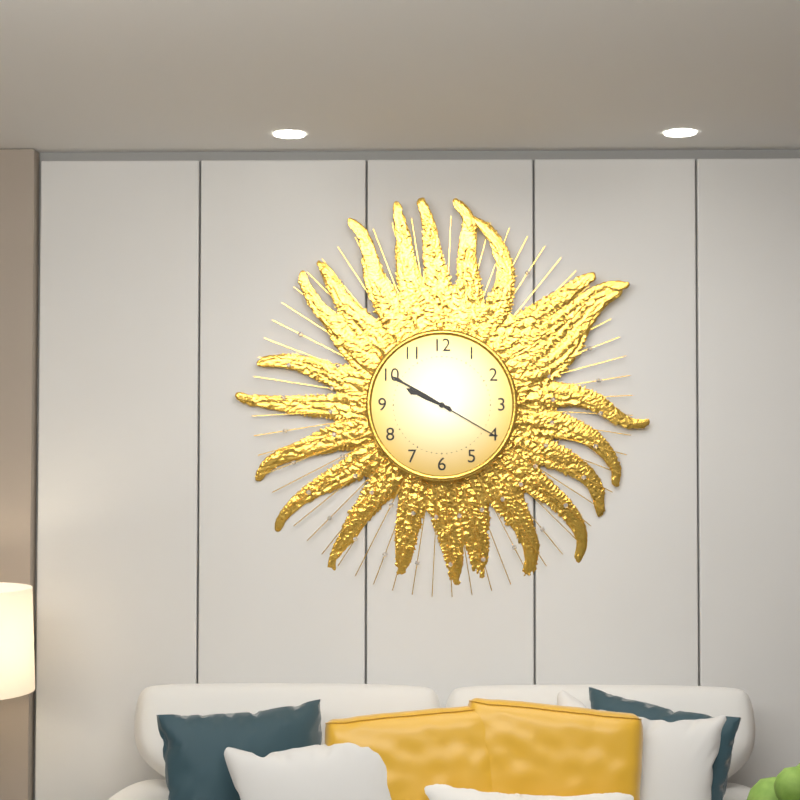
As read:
{"hour": 9, "minute": 50, "second": 20}
